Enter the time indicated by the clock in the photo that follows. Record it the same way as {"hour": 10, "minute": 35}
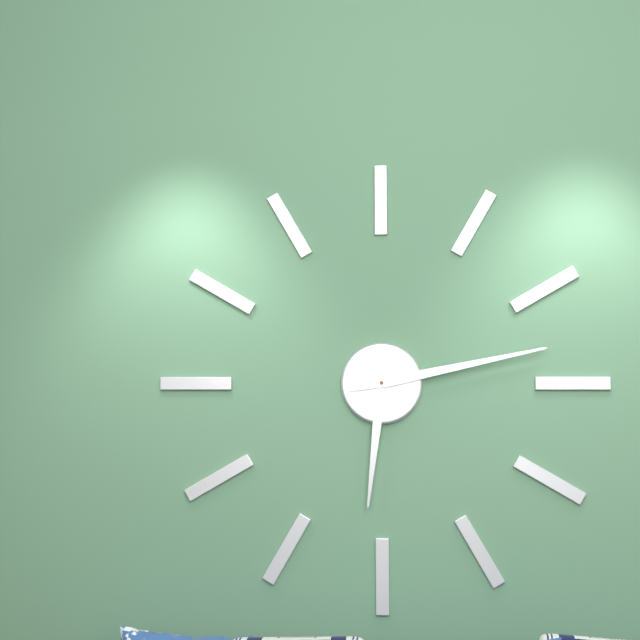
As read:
{"hour": 6, "minute": 13}
